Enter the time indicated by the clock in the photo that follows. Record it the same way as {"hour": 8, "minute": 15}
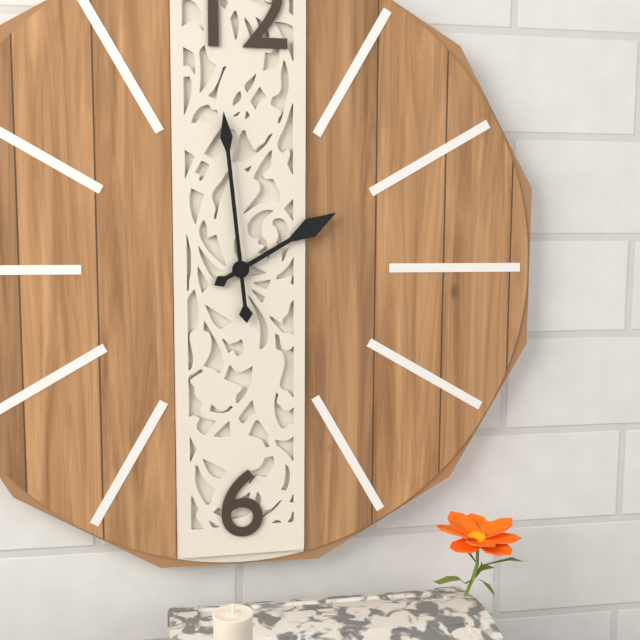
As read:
{"hour": 1, "minute": 59}
